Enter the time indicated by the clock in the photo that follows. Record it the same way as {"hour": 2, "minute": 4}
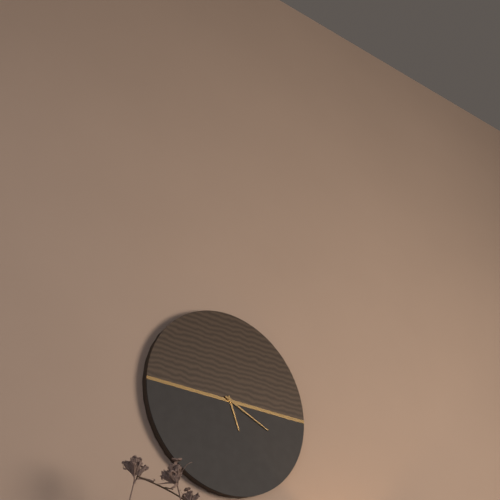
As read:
{"hour": 5, "minute": 19}
